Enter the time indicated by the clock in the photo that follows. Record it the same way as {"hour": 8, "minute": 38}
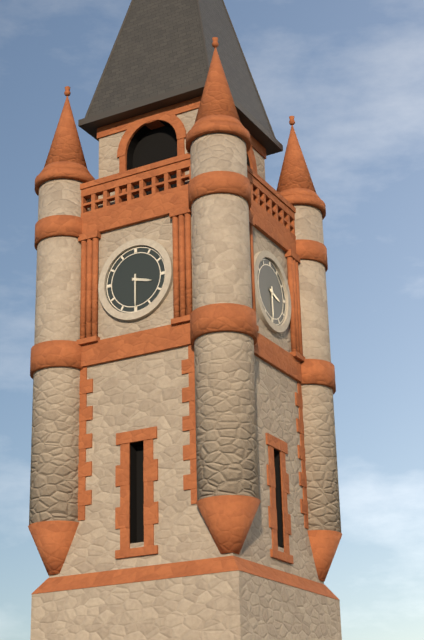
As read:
{"hour": 3, "minute": 30}
